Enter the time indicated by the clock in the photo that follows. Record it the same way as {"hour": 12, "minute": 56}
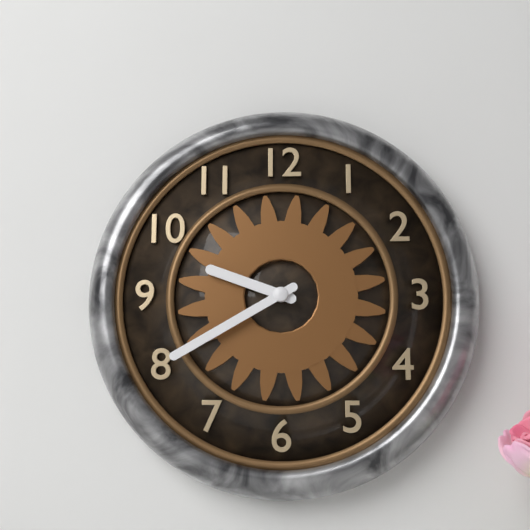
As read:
{"hour": 9, "minute": 40}
